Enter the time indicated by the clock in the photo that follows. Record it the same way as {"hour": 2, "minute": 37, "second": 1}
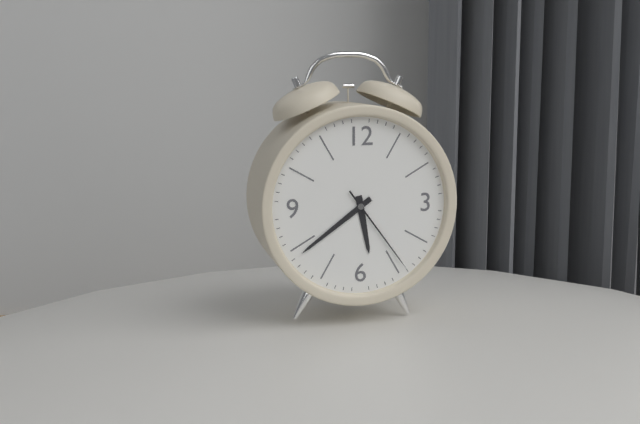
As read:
{"hour": 5, "minute": 39, "second": 24}
